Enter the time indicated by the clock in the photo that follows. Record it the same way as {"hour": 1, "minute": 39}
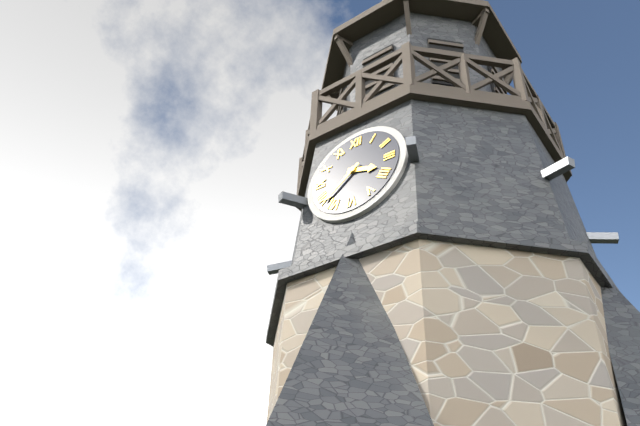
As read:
{"hour": 3, "minute": 38}
